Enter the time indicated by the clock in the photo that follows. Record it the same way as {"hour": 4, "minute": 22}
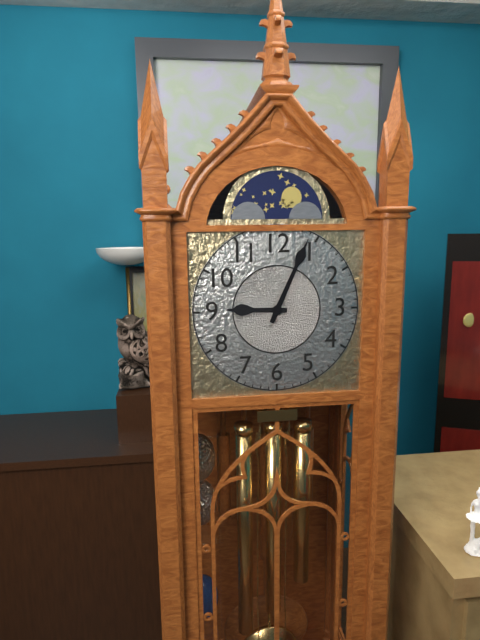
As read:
{"hour": 9, "minute": 4}
